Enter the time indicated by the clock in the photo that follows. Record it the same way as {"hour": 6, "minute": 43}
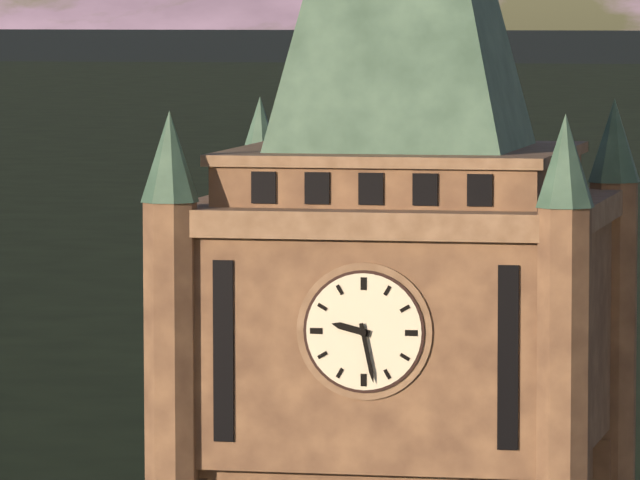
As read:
{"hour": 9, "minute": 28}
